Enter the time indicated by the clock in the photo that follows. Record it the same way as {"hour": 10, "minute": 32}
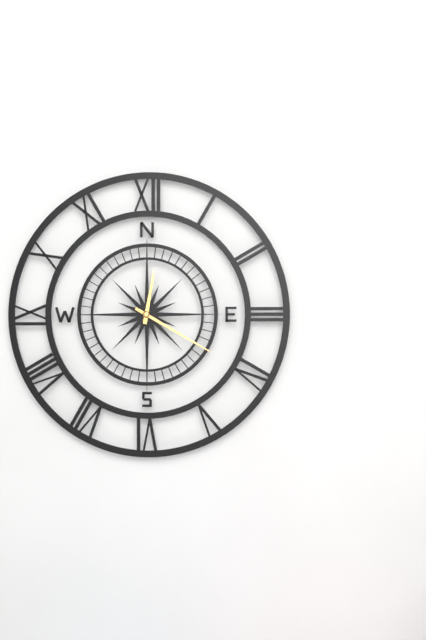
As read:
{"hour": 12, "minute": 20}
